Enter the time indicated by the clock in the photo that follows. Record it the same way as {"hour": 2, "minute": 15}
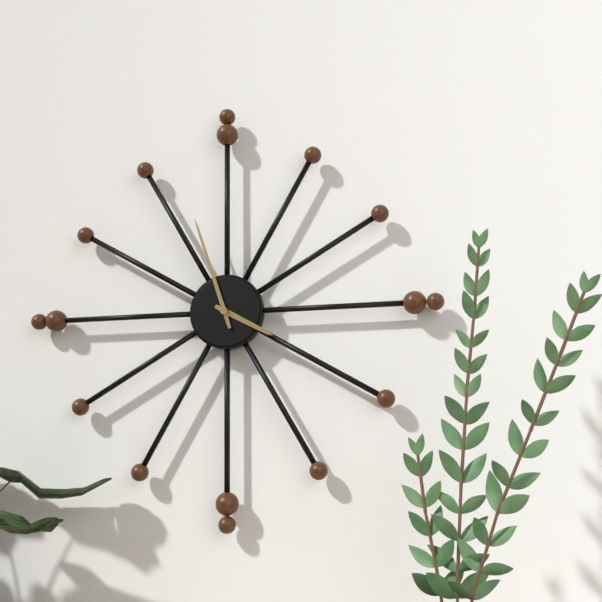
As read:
{"hour": 3, "minute": 57}
